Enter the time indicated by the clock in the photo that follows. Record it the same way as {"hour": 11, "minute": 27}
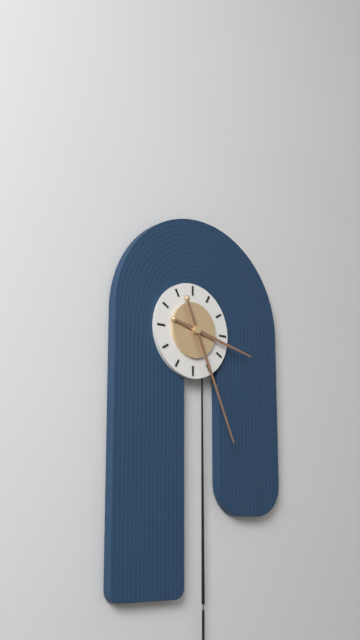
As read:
{"hour": 3, "minute": 26}
